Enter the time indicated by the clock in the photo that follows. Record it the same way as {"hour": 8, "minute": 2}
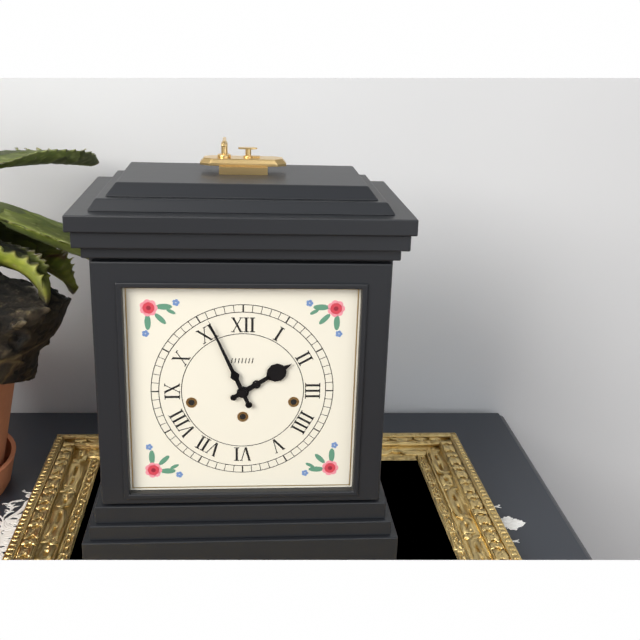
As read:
{"hour": 1, "minute": 56}
